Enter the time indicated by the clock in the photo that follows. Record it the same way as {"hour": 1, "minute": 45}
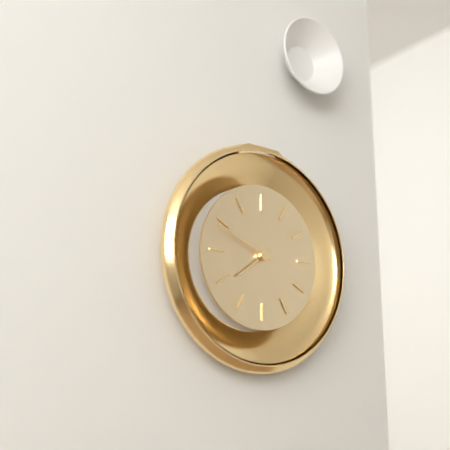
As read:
{"hour": 7, "minute": 49}
